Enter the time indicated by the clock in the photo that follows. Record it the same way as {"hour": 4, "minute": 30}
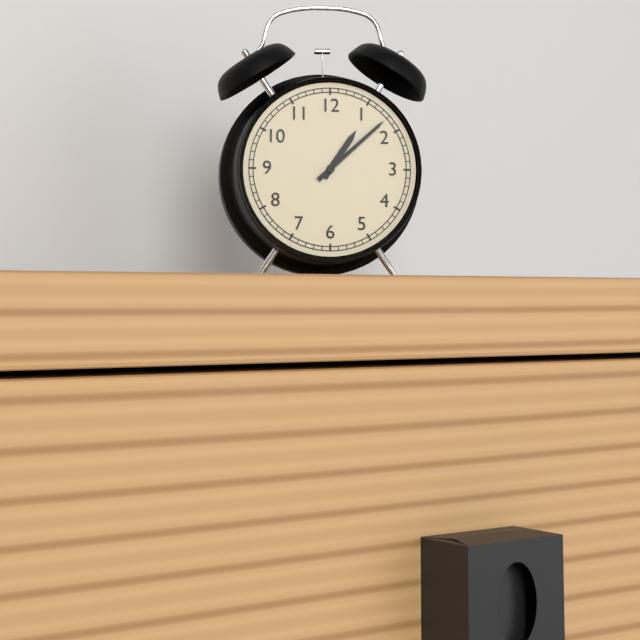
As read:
{"hour": 1, "minute": 8}
